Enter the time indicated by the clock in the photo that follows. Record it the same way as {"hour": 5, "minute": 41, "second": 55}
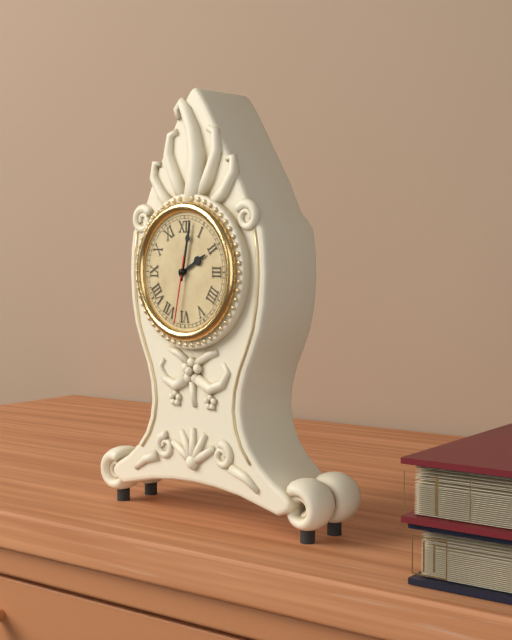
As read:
{"hour": 2, "minute": 2, "second": 32}
